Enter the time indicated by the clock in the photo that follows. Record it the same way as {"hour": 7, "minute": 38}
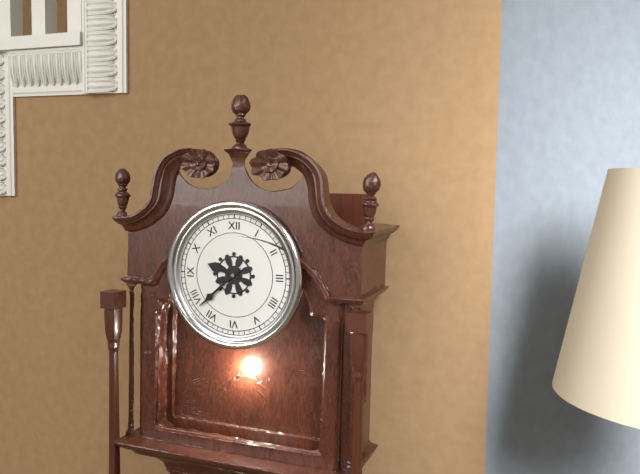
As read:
{"hour": 9, "minute": 38}
